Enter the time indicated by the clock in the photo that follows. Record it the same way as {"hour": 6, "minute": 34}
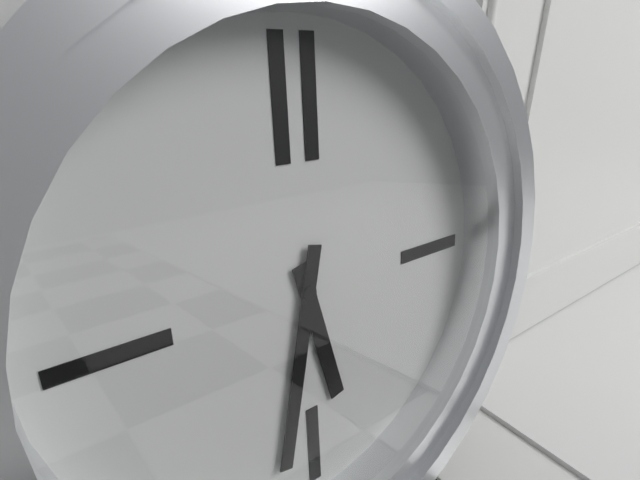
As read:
{"hour": 5, "minute": 32}
